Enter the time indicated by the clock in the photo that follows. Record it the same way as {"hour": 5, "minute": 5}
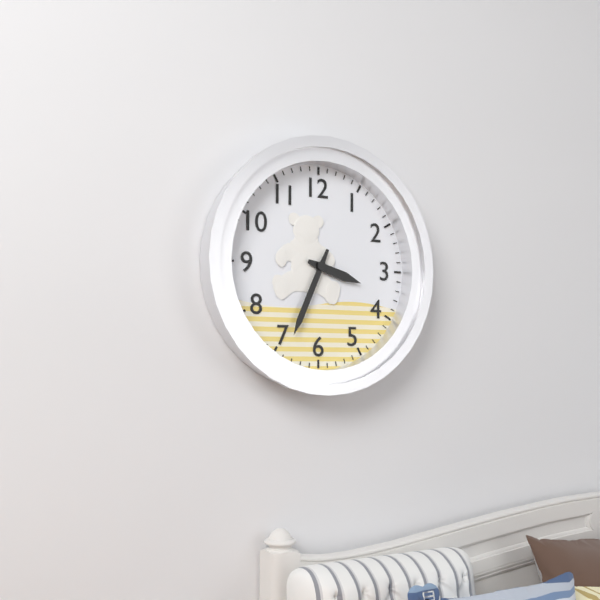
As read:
{"hour": 3, "minute": 34}
